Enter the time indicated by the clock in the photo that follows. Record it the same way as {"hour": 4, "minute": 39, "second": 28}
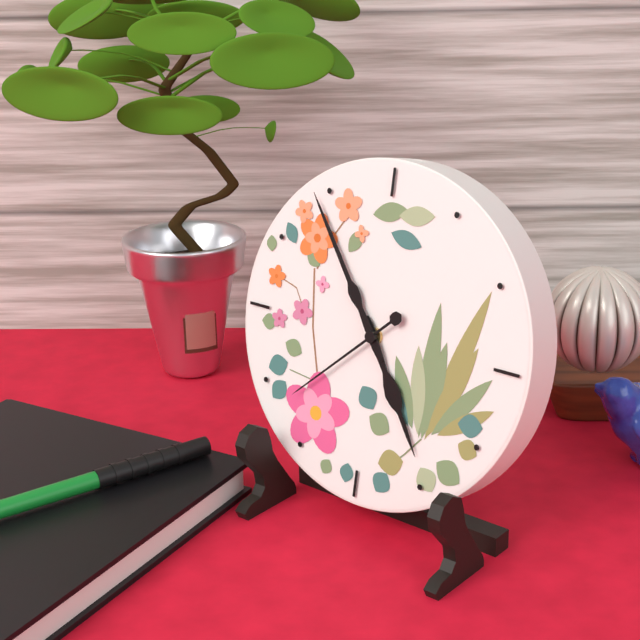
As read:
{"hour": 4, "minute": 54, "second": 38}
